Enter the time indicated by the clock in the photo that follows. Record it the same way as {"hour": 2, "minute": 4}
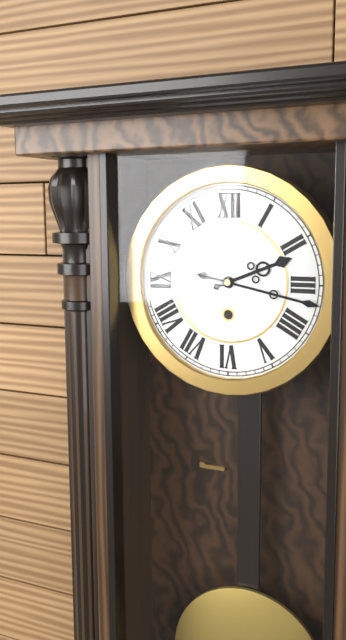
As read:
{"hour": 2, "minute": 17}
